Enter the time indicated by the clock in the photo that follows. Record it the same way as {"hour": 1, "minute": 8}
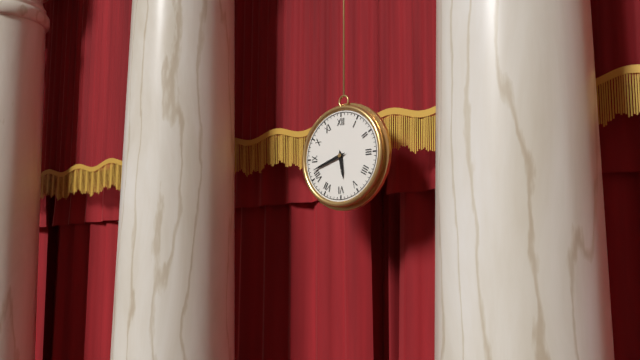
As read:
{"hour": 5, "minute": 42}
